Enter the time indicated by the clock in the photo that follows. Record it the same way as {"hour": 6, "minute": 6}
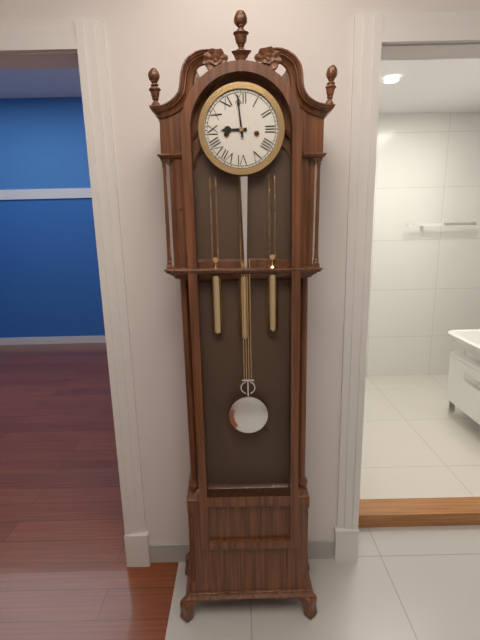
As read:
{"hour": 8, "minute": 59}
